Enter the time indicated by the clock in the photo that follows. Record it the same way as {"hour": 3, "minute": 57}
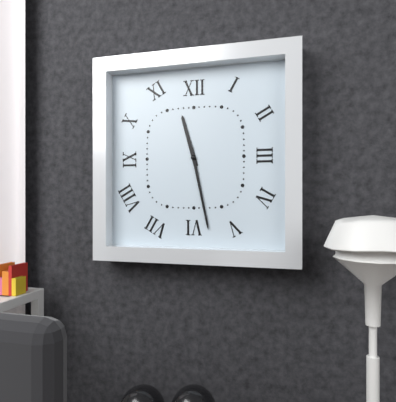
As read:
{"hour": 11, "minute": 28}
